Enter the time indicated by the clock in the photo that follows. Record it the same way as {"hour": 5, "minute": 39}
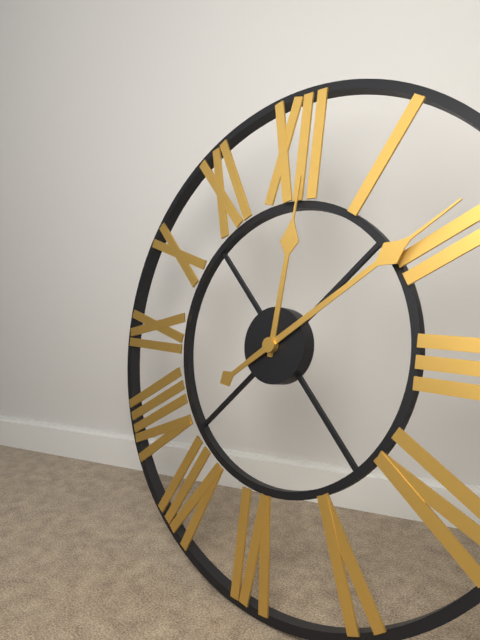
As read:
{"hour": 12, "minute": 9}
